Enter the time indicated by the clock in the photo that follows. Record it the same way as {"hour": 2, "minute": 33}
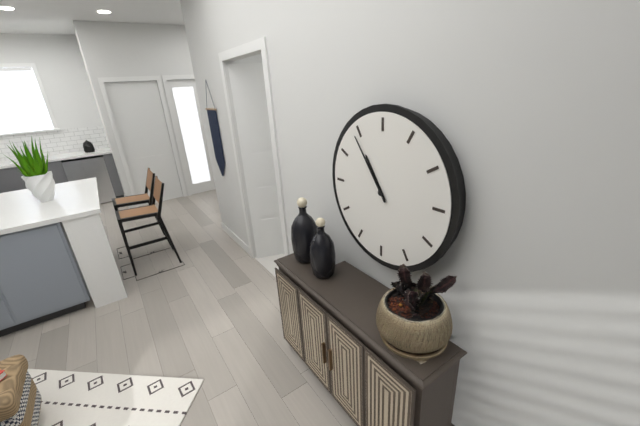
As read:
{"hour": 10, "minute": 54}
